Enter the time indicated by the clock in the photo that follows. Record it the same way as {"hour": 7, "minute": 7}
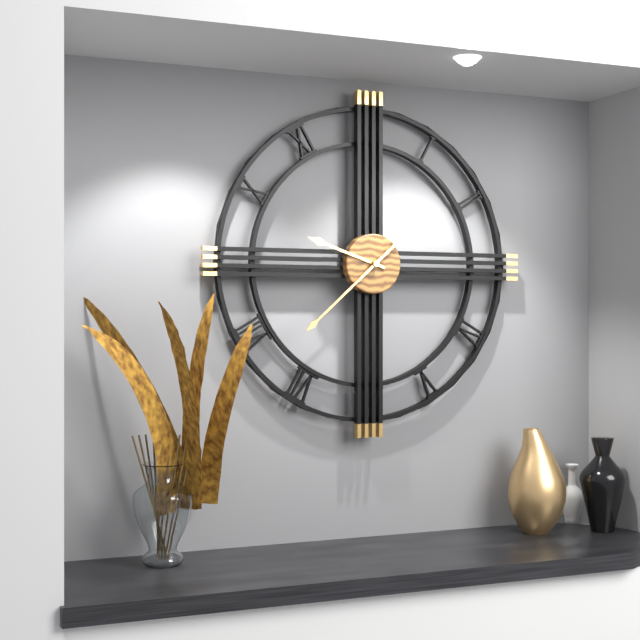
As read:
{"hour": 9, "minute": 38}
